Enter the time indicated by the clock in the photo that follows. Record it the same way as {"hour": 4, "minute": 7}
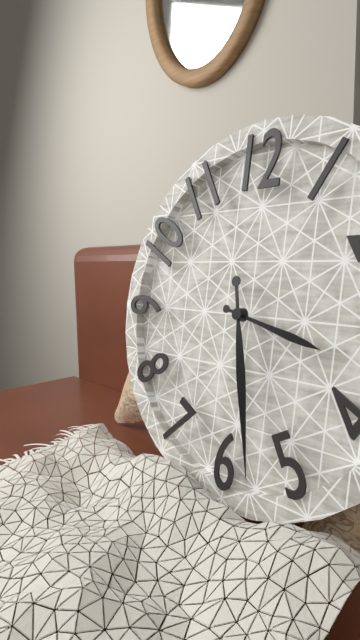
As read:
{"hour": 3, "minute": 28}
